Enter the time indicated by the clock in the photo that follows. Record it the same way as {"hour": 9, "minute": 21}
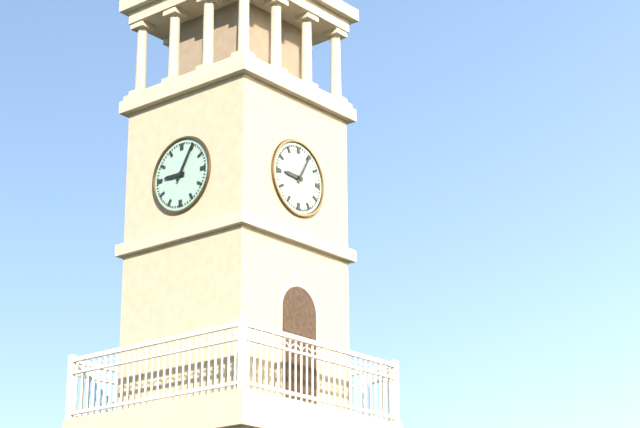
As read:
{"hour": 9, "minute": 5}
